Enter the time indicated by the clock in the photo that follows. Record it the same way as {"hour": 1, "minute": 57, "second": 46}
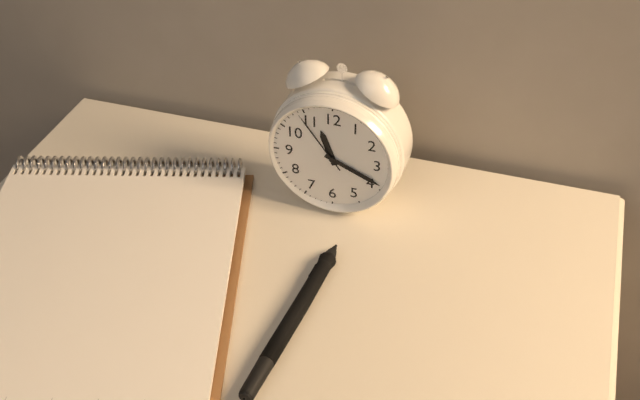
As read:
{"hour": 11, "minute": 19, "second": 54}
